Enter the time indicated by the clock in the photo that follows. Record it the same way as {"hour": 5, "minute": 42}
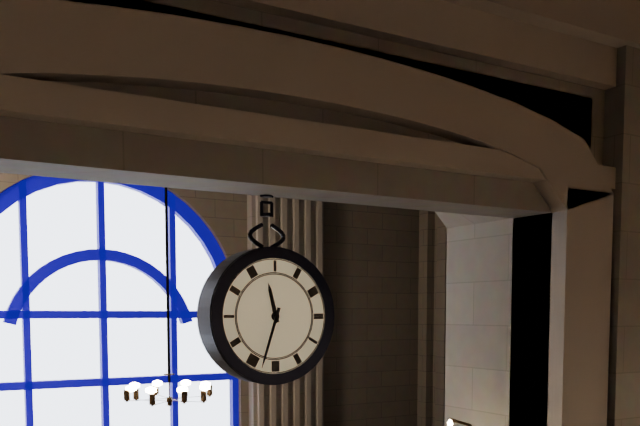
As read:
{"hour": 11, "minute": 33}
